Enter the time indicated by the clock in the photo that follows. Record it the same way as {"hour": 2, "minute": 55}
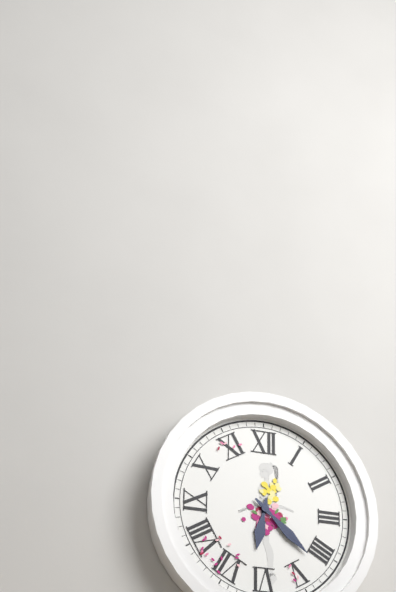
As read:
{"hour": 6, "minute": 22}
